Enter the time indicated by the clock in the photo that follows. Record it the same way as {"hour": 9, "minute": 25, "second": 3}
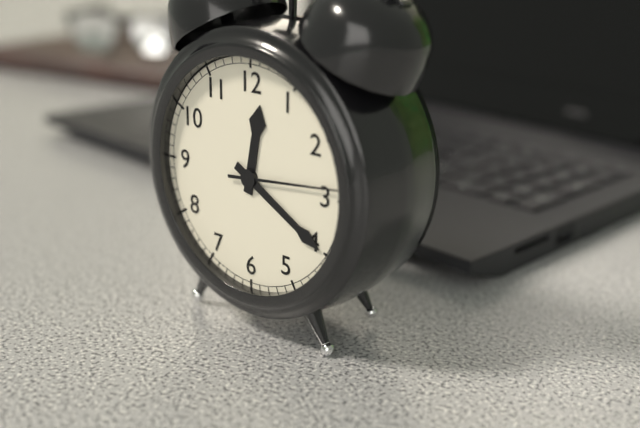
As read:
{"hour": 12, "minute": 20, "second": 14}
